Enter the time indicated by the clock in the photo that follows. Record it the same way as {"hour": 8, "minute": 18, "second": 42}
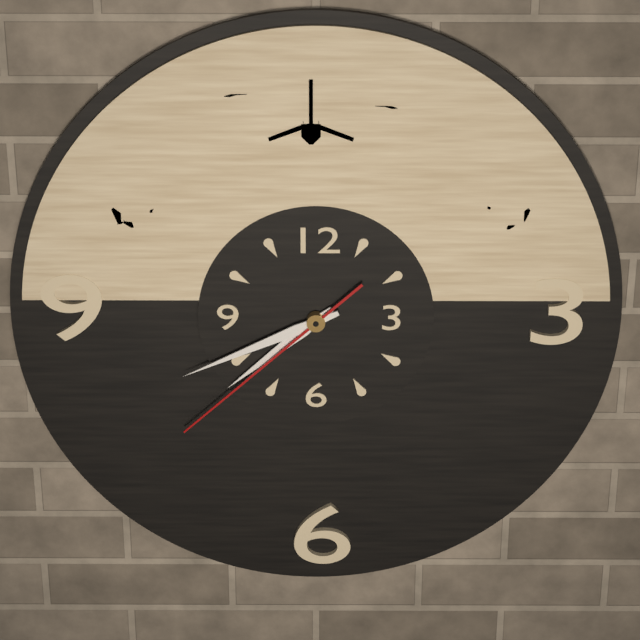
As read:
{"hour": 7, "minute": 41, "second": 38}
